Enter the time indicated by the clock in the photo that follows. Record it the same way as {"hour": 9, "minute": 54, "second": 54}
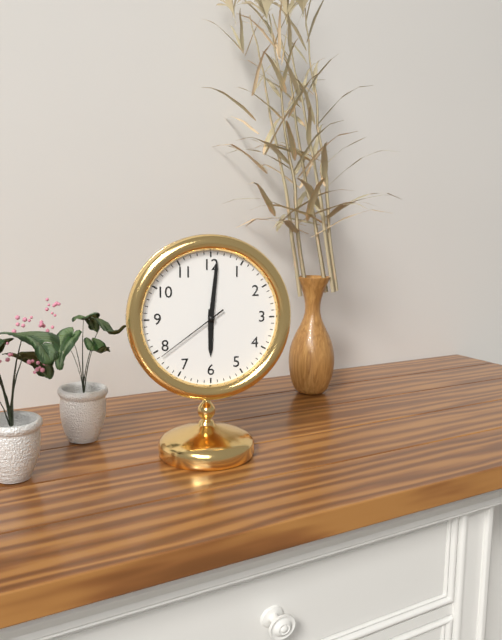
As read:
{"hour": 6, "minute": 1, "second": 39}
